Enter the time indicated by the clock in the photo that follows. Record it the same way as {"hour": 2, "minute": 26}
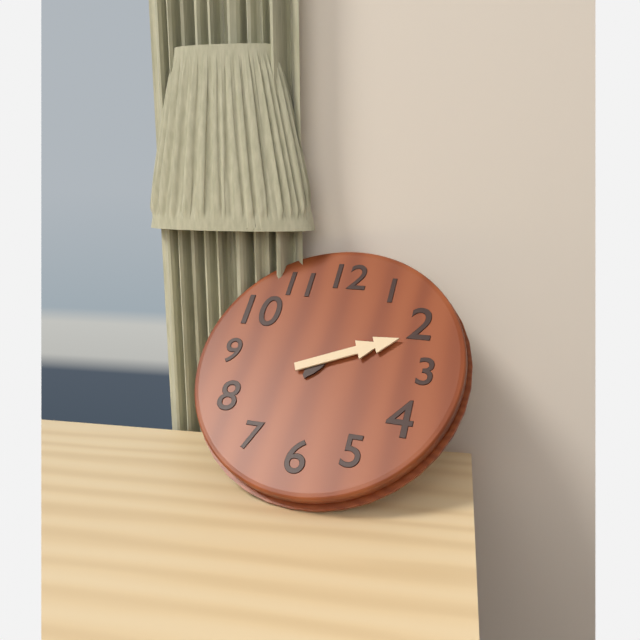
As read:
{"hour": 7, "minute": 11}
